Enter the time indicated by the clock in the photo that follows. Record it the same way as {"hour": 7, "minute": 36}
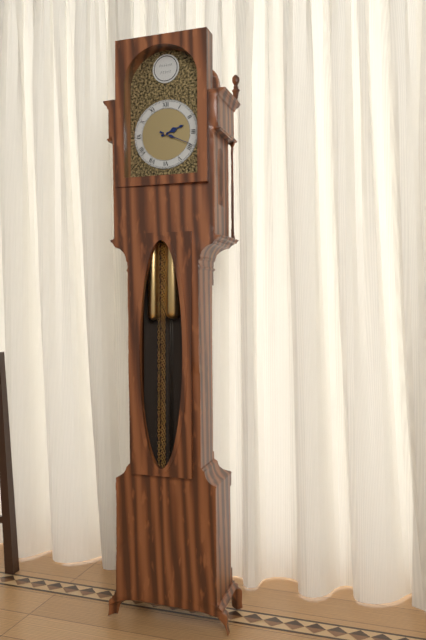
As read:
{"hour": 2, "minute": 19}
